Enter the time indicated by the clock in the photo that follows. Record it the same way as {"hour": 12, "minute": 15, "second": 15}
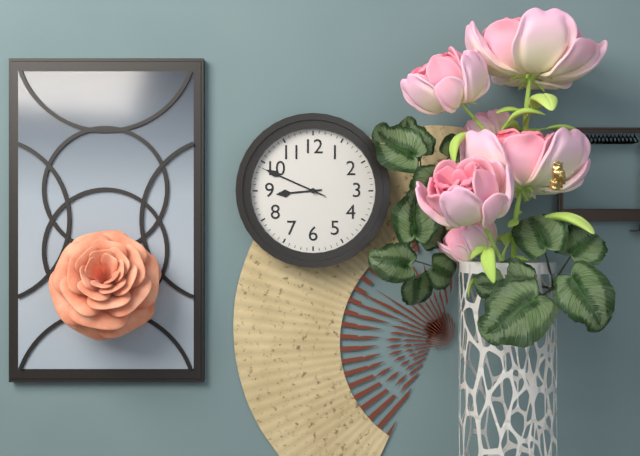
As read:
{"hour": 8, "minute": 49, "second": 49}
